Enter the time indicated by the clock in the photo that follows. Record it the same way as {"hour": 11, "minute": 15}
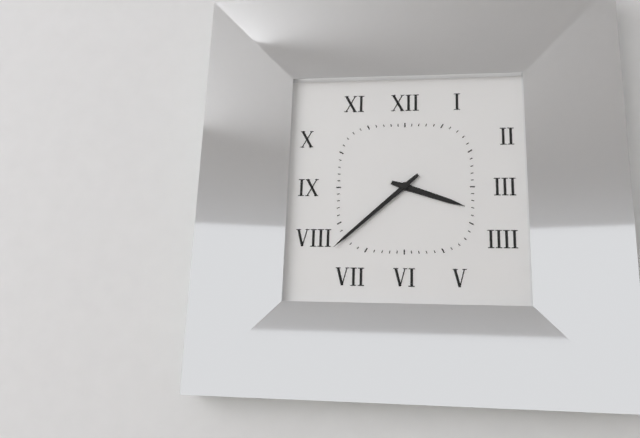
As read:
{"hour": 3, "minute": 38}
